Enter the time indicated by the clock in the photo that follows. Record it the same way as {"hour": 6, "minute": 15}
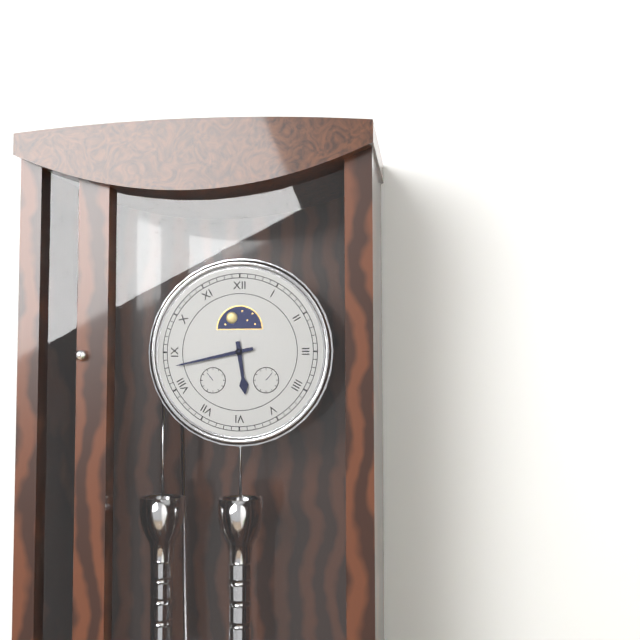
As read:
{"hour": 5, "minute": 43}
